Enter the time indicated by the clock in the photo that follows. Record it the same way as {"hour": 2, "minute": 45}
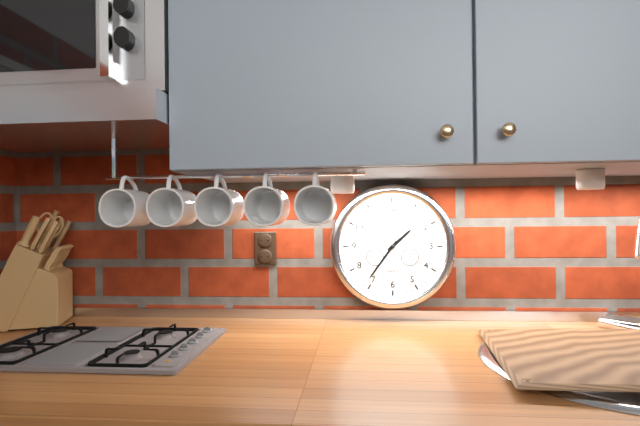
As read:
{"hour": 1, "minute": 36}
